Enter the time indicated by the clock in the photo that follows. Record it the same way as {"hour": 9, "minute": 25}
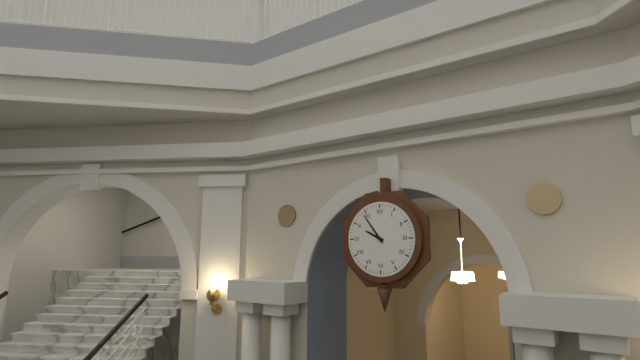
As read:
{"hour": 9, "minute": 54}
